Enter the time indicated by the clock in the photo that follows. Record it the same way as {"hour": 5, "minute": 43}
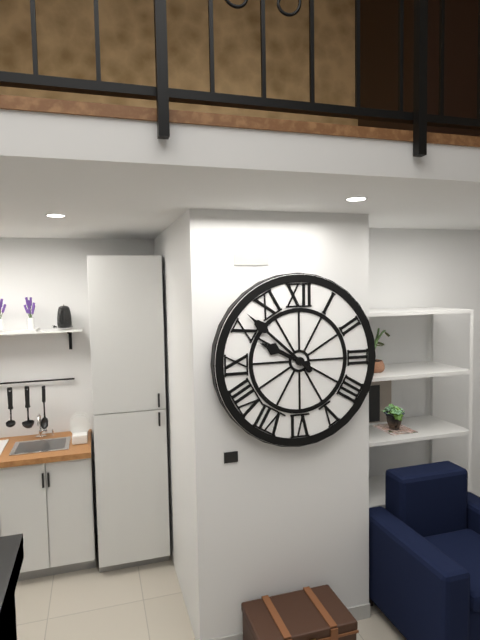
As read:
{"hour": 9, "minute": 52}
